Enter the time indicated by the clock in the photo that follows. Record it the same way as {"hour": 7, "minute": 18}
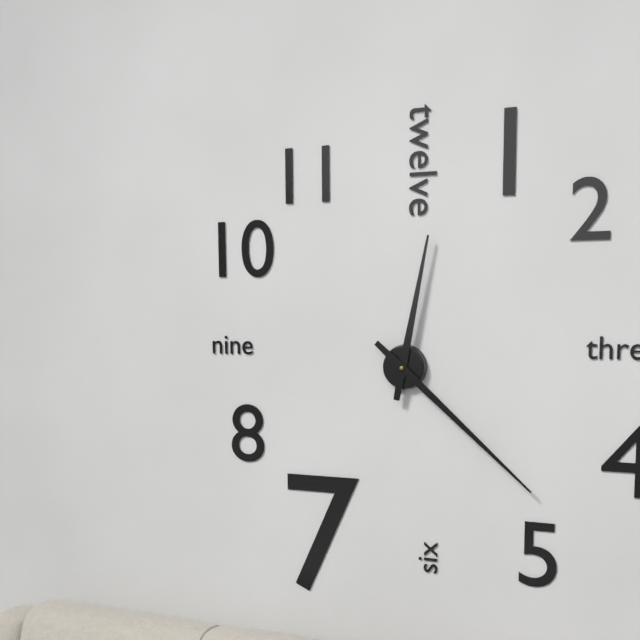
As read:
{"hour": 12, "minute": 22}
